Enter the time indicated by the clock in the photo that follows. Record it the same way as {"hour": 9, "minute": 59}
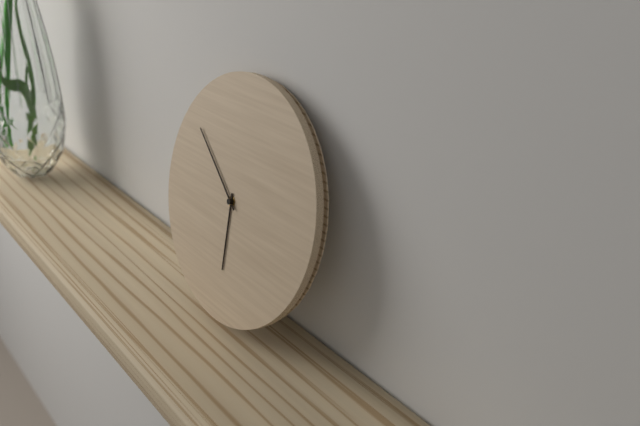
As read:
{"hour": 5, "minute": 51}
